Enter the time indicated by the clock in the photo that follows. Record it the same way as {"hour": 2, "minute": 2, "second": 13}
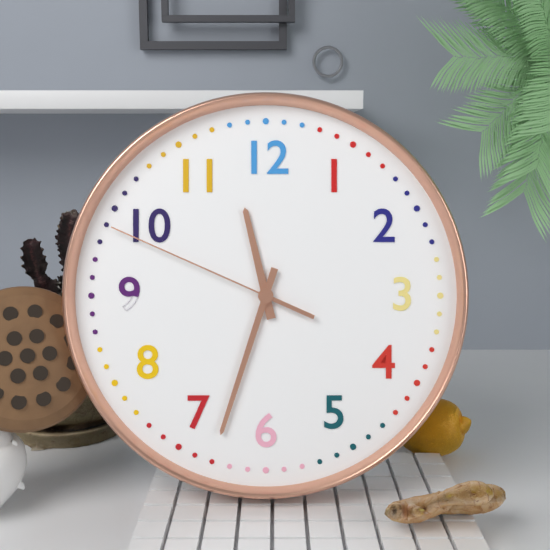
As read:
{"hour": 11, "minute": 33, "second": 49}
